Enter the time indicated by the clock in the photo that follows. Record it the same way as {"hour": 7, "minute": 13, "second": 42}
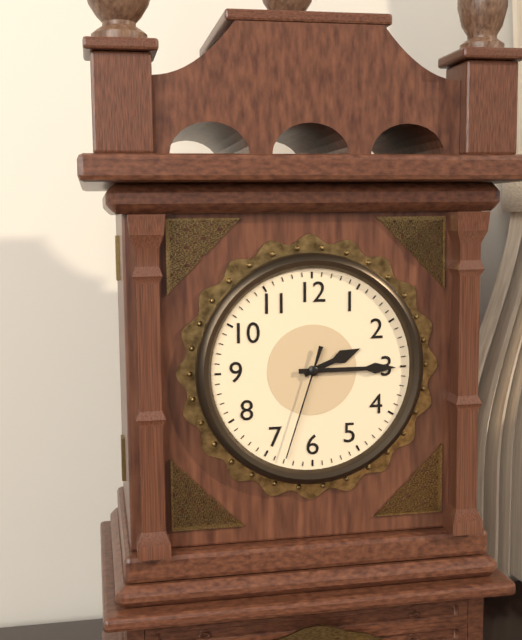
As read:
{"hour": 2, "minute": 15, "second": 33}
